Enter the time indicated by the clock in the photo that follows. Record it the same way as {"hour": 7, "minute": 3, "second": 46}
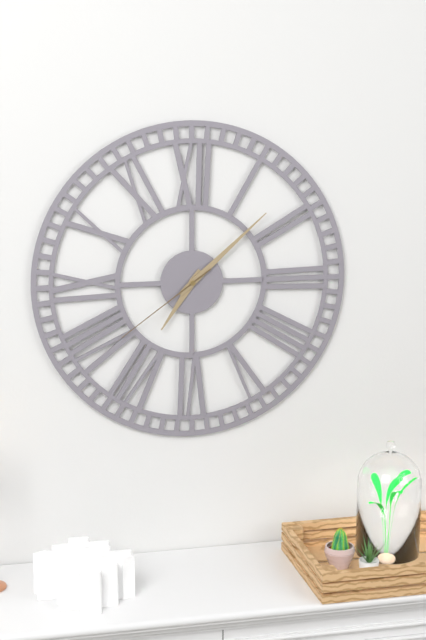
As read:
{"hour": 7, "minute": 8, "second": 39}
